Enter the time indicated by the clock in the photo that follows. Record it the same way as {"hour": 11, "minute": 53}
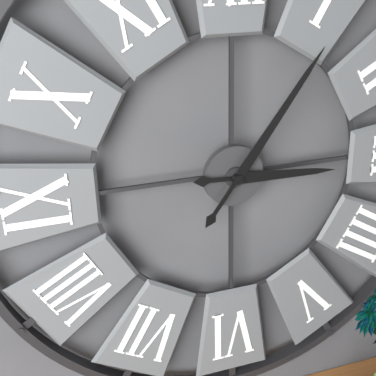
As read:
{"hour": 3, "minute": 6}
